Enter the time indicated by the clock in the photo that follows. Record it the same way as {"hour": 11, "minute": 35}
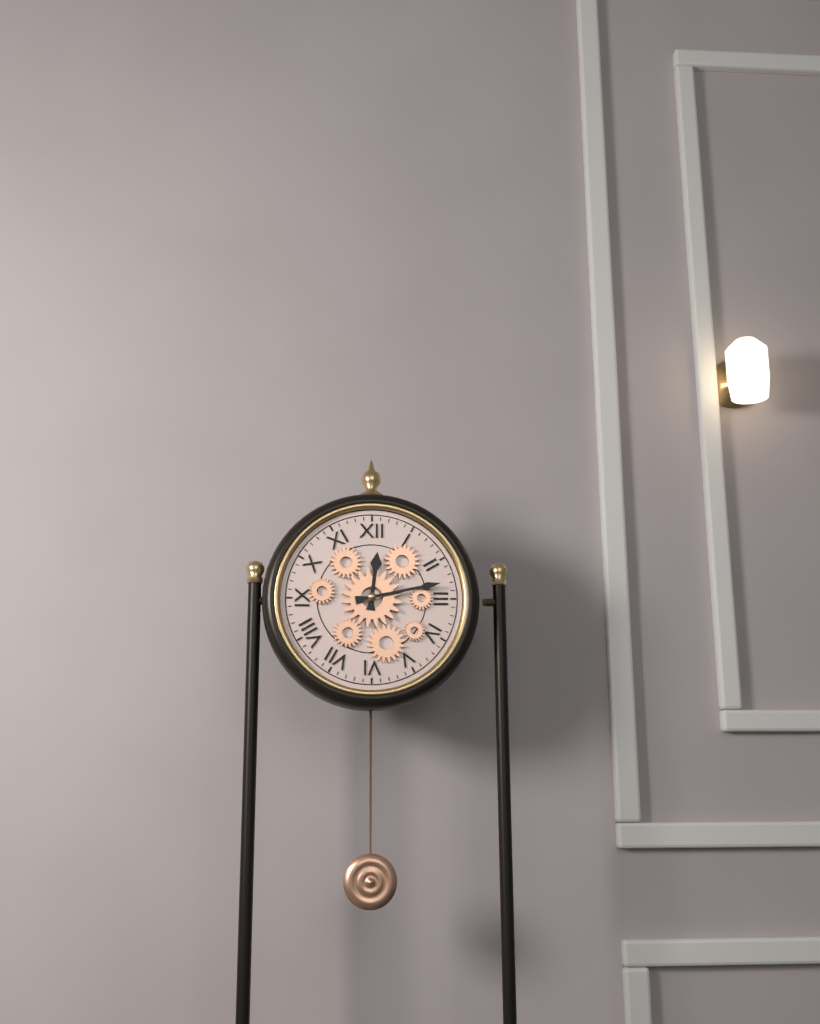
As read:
{"hour": 12, "minute": 13}
